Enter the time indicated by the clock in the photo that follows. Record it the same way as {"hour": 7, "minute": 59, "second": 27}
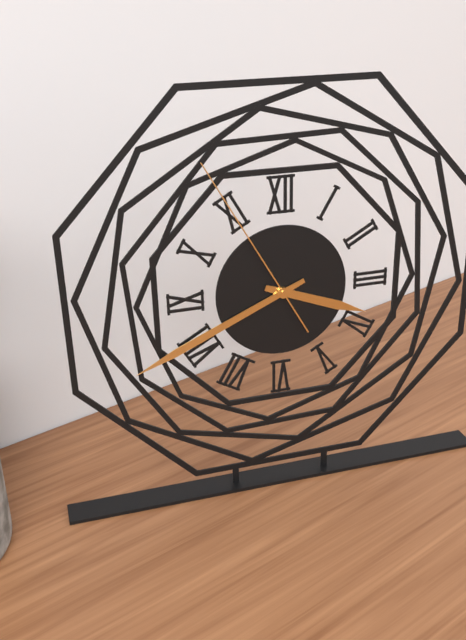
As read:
{"hour": 3, "minute": 41, "second": 55}
